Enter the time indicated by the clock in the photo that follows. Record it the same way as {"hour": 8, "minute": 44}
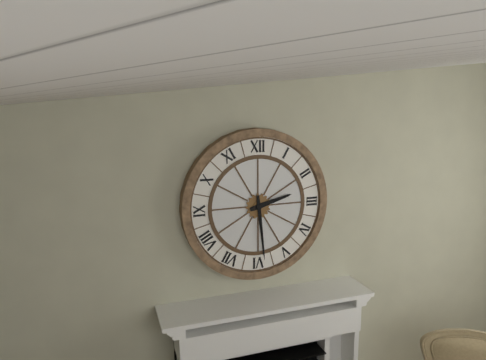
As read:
{"hour": 2, "minute": 29}
